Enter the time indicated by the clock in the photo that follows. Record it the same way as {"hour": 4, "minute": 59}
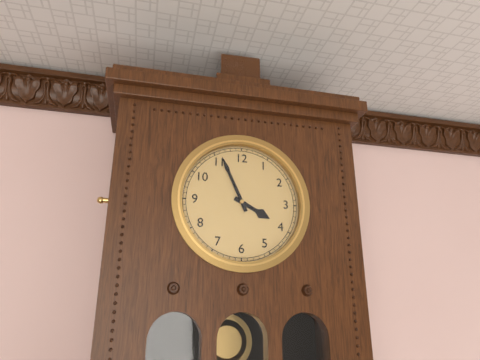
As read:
{"hour": 3, "minute": 56}
